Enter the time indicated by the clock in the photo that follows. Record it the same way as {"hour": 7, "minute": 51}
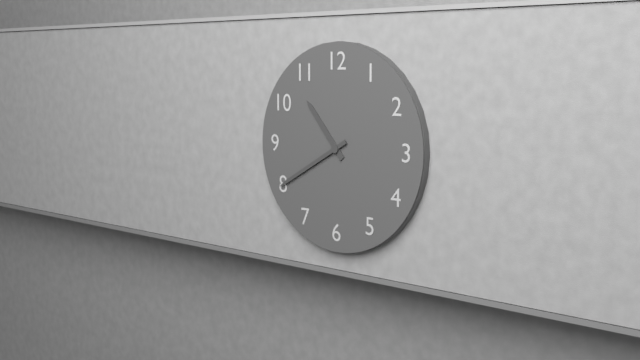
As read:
{"hour": 10, "minute": 40}
